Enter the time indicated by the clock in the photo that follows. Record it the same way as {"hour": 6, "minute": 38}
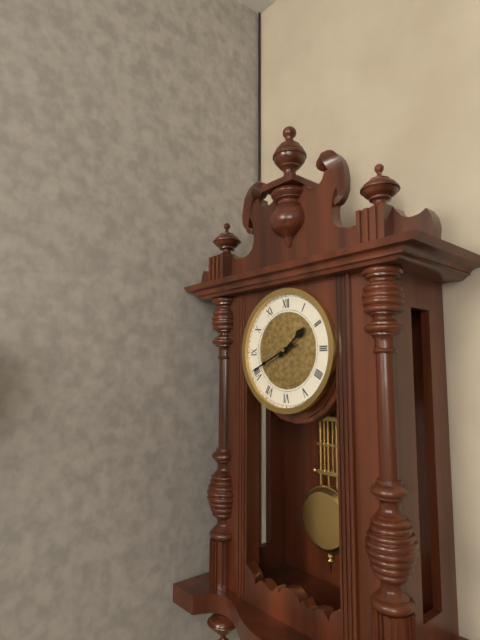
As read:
{"hour": 1, "minute": 41}
